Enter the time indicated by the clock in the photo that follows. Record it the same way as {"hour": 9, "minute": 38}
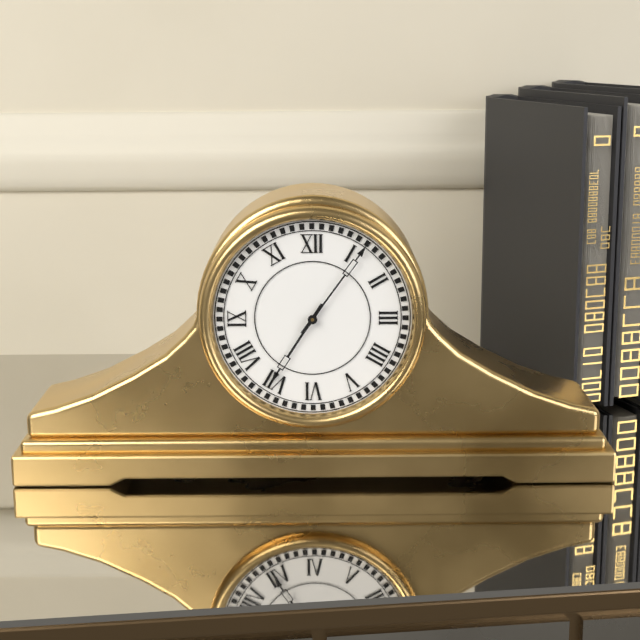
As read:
{"hour": 7, "minute": 6}
